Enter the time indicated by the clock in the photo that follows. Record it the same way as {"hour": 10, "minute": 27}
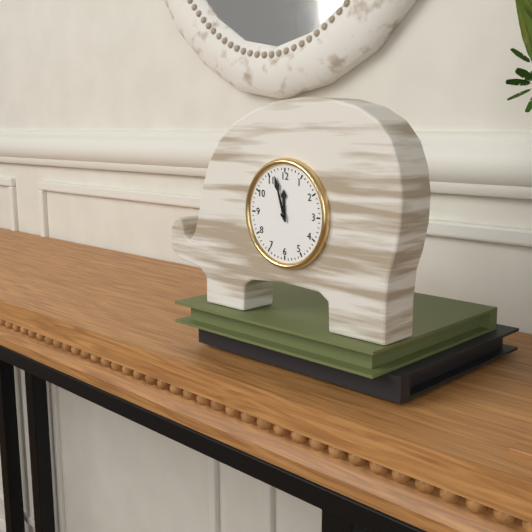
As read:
{"hour": 11, "minute": 57}
